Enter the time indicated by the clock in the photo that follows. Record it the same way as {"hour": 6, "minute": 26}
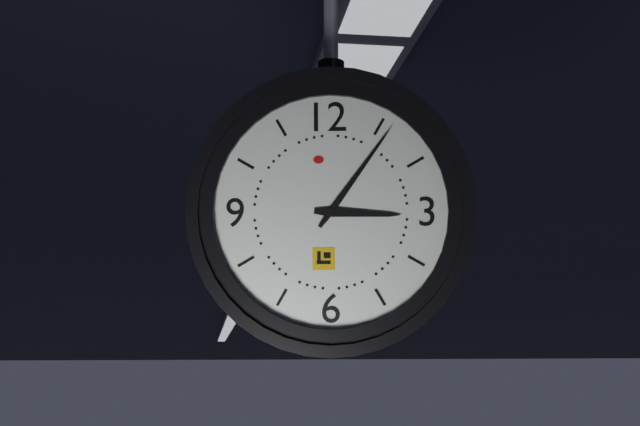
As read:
{"hour": 3, "minute": 6}
